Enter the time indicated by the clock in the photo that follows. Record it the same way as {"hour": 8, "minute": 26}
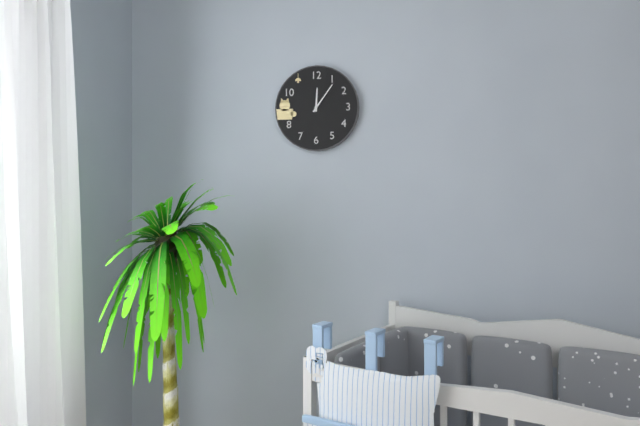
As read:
{"hour": 12, "minute": 6}
